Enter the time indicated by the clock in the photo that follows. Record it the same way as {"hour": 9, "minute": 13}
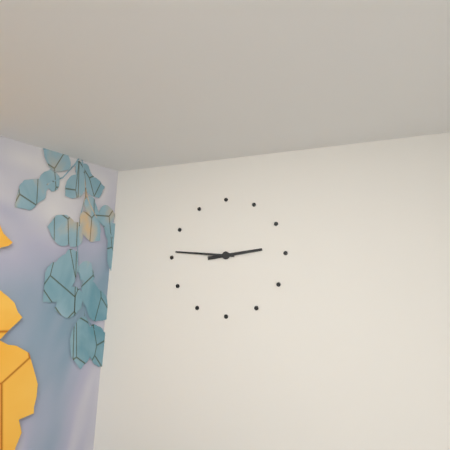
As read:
{"hour": 2, "minute": 46}
